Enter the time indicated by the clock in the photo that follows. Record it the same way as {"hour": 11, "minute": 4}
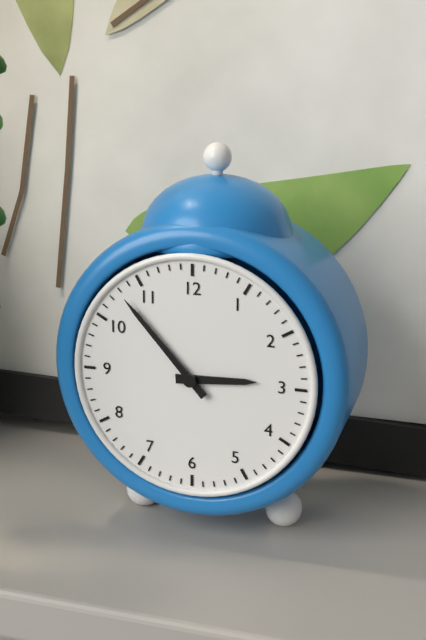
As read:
{"hour": 2, "minute": 53}
